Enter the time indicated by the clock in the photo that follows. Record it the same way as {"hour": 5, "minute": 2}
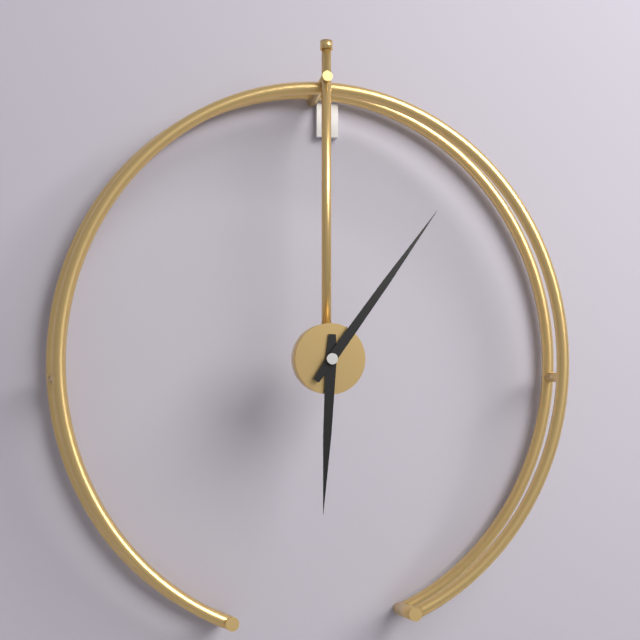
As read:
{"hour": 6, "minute": 6}
